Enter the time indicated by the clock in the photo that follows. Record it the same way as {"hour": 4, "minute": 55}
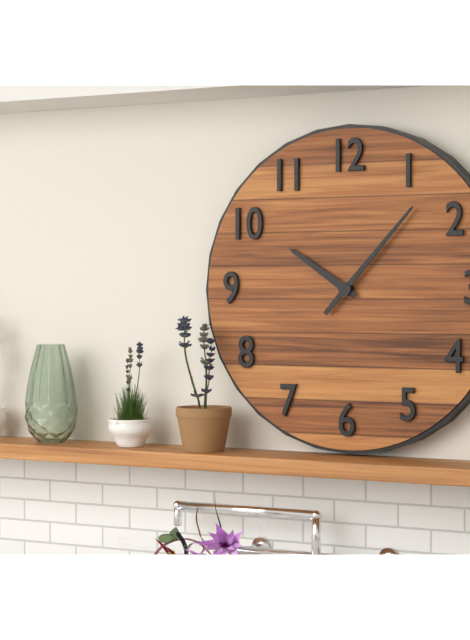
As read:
{"hour": 10, "minute": 7}
